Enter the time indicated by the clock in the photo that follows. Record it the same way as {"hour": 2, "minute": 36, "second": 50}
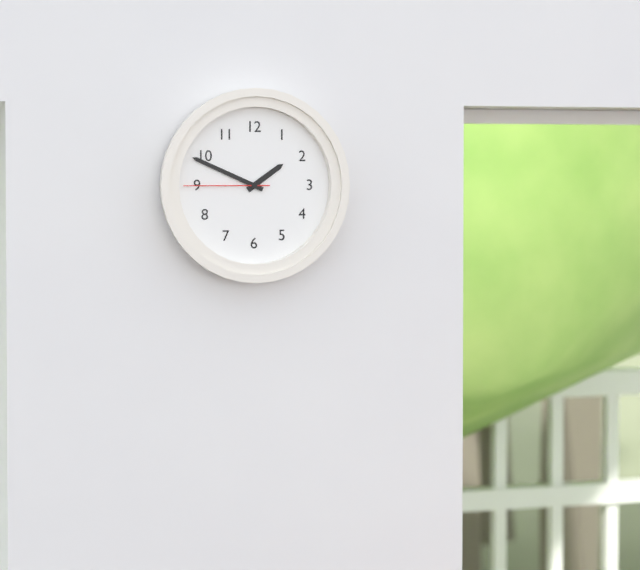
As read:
{"hour": 1, "minute": 49, "second": 45}
